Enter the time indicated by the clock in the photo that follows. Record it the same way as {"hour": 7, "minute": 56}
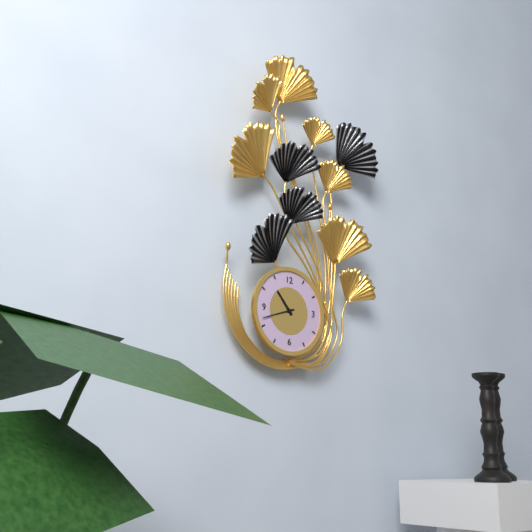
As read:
{"hour": 10, "minute": 42}
